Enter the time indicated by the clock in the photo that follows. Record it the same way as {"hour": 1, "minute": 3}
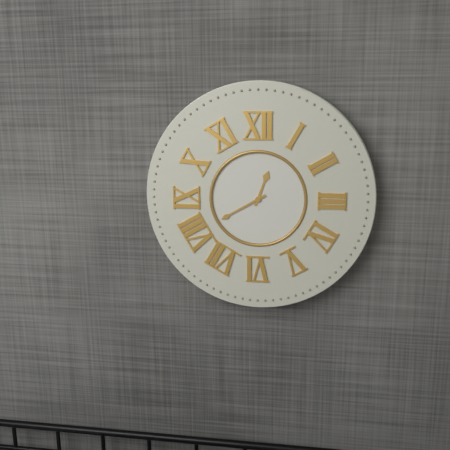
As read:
{"hour": 12, "minute": 40}
